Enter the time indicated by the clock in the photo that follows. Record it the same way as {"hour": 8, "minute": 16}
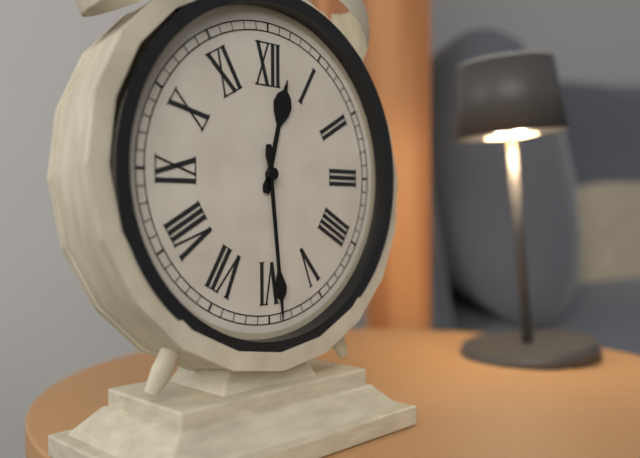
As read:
{"hour": 12, "minute": 29}
